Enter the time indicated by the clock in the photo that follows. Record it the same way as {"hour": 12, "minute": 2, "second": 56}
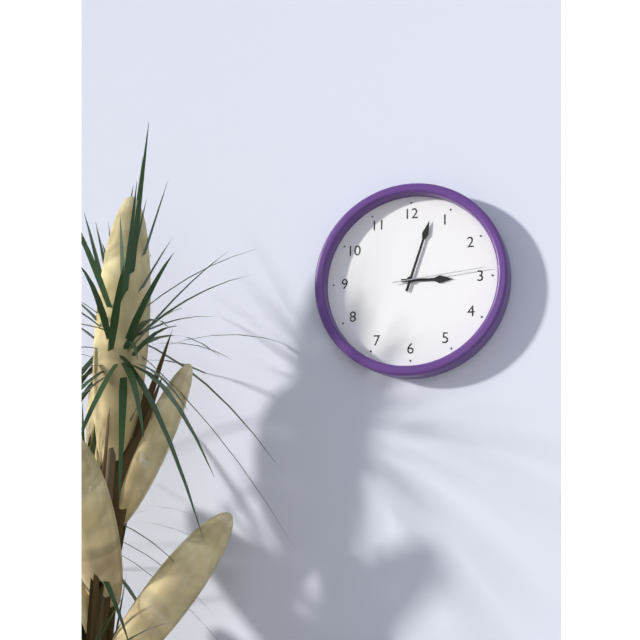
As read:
{"hour": 3, "minute": 3, "second": 14}
